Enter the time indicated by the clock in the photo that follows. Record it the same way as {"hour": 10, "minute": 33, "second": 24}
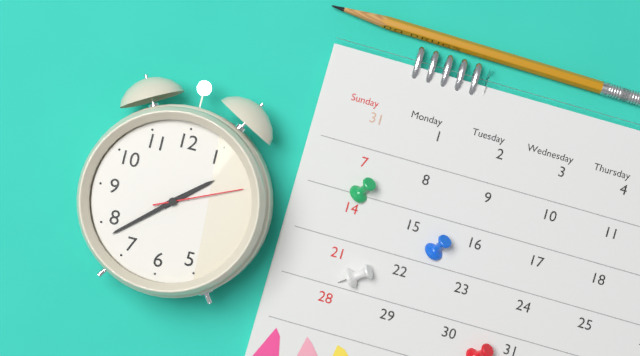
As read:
{"hour": 1, "minute": 38, "second": 11}
